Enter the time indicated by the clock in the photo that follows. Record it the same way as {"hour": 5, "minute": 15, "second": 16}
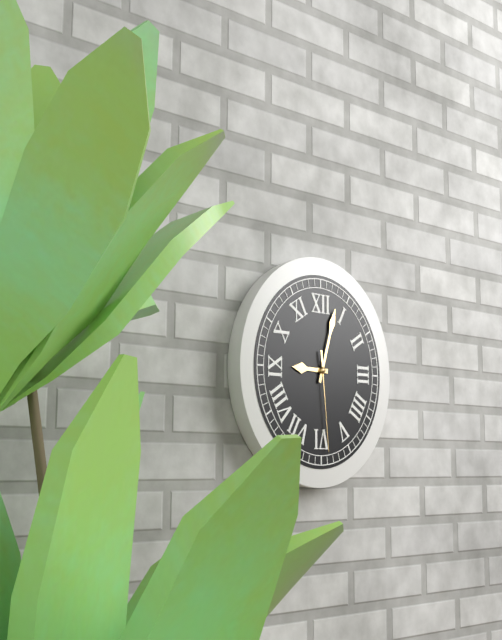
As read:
{"hour": 9, "minute": 3, "second": 29}
